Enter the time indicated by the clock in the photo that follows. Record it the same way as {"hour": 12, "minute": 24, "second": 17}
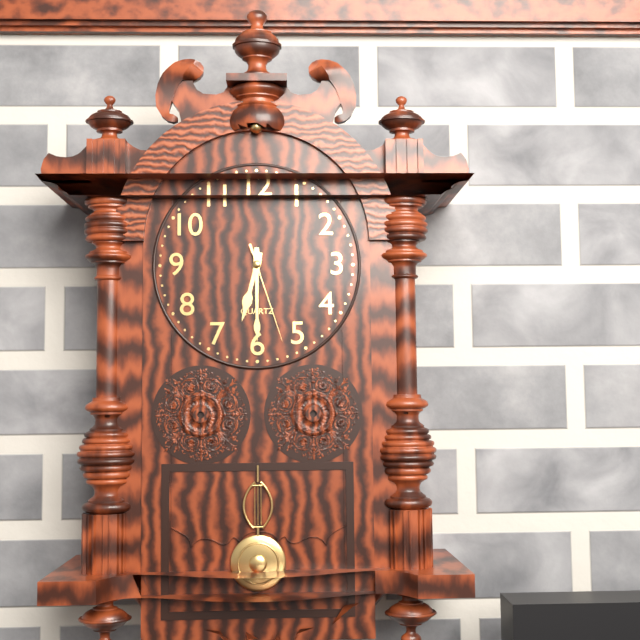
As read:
{"hour": 6, "minute": 30, "second": 27}
